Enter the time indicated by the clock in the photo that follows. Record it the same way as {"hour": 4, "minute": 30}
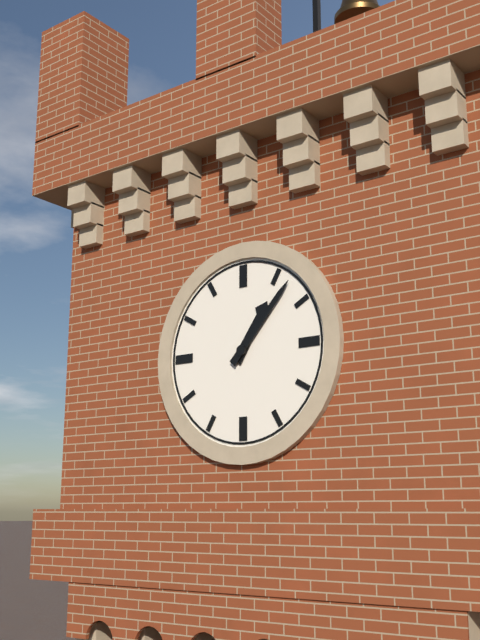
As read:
{"hour": 1, "minute": 7}
